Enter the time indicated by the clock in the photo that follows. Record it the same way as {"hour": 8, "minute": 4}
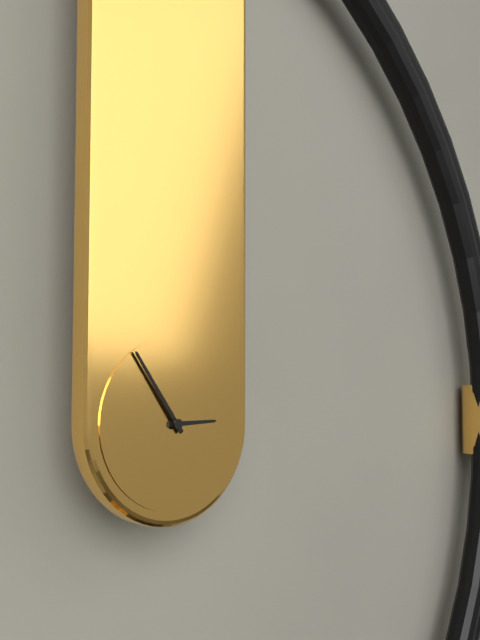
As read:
{"hour": 2, "minute": 54}
